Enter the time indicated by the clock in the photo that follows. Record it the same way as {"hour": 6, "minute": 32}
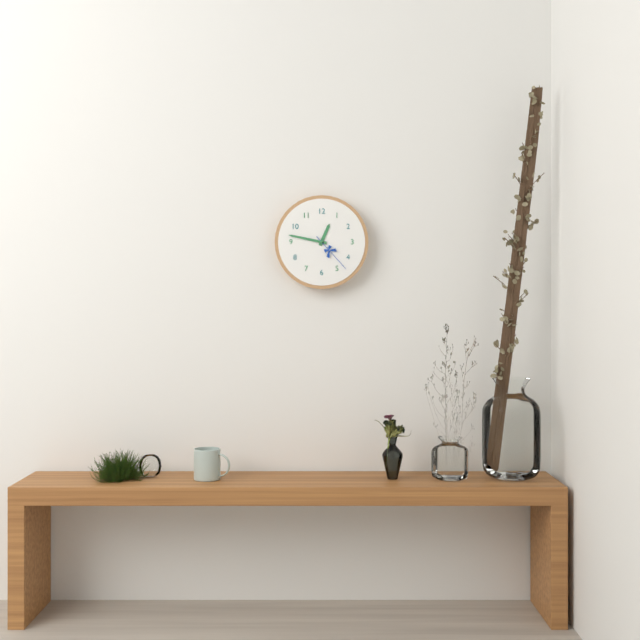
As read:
{"hour": 12, "minute": 47}
